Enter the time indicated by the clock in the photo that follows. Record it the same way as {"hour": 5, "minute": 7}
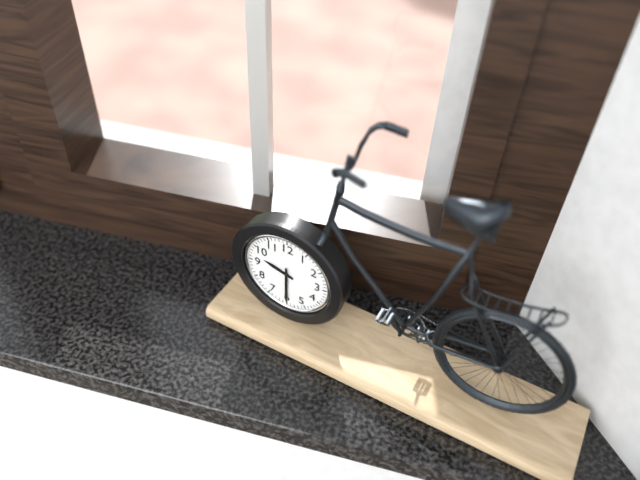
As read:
{"hour": 9, "minute": 30}
